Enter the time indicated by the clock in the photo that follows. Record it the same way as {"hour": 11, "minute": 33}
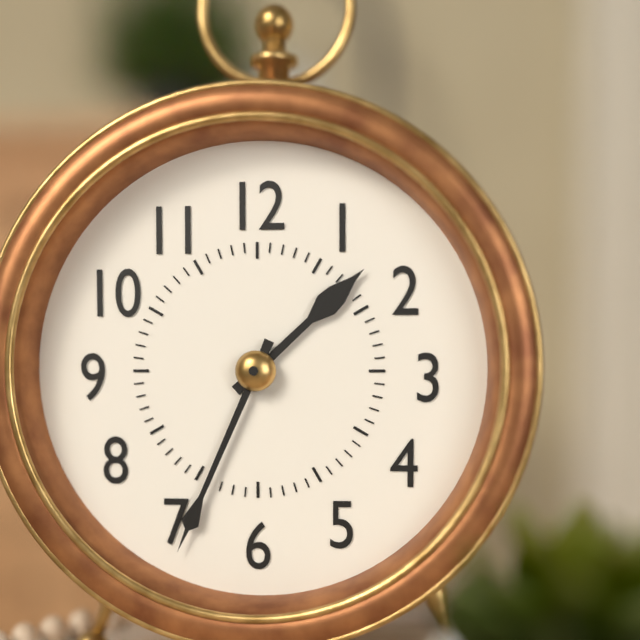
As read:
{"hour": 1, "minute": 34}
